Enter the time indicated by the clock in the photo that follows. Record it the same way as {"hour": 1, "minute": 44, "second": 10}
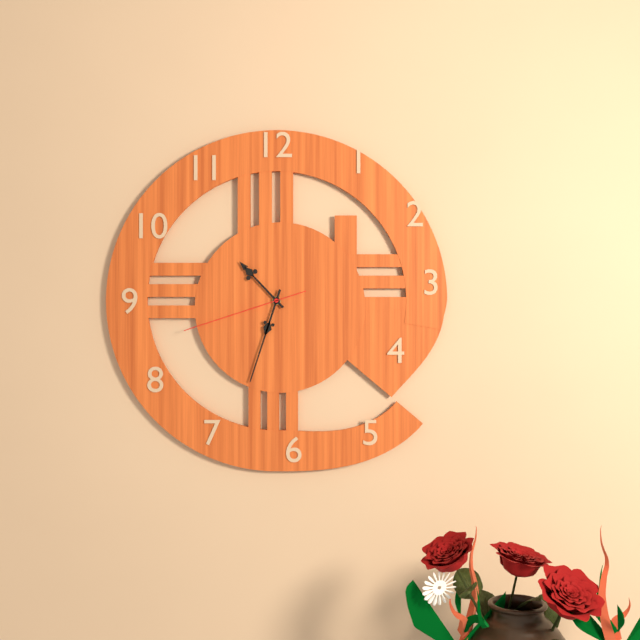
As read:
{"hour": 10, "minute": 33, "second": 42}
